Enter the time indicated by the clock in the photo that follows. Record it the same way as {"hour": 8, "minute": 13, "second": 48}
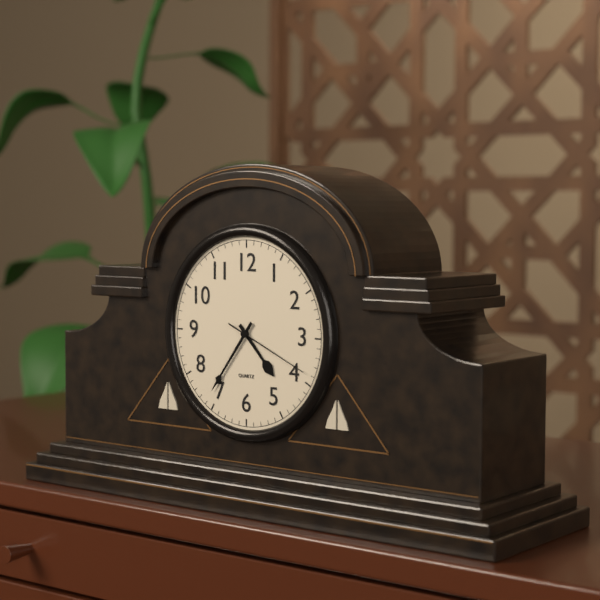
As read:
{"hour": 4, "minute": 36, "second": 19}
